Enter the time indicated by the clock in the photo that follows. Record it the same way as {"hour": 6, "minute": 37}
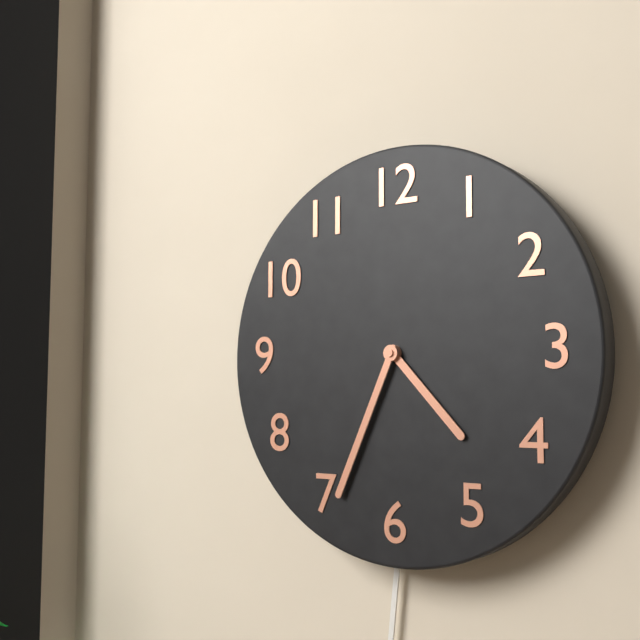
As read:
{"hour": 4, "minute": 34}
